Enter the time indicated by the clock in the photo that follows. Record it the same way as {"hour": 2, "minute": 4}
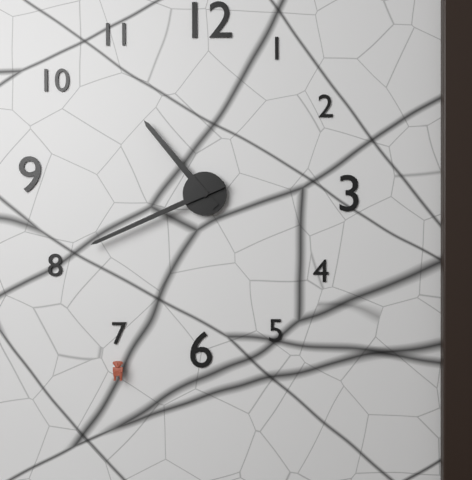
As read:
{"hour": 10, "minute": 41}
